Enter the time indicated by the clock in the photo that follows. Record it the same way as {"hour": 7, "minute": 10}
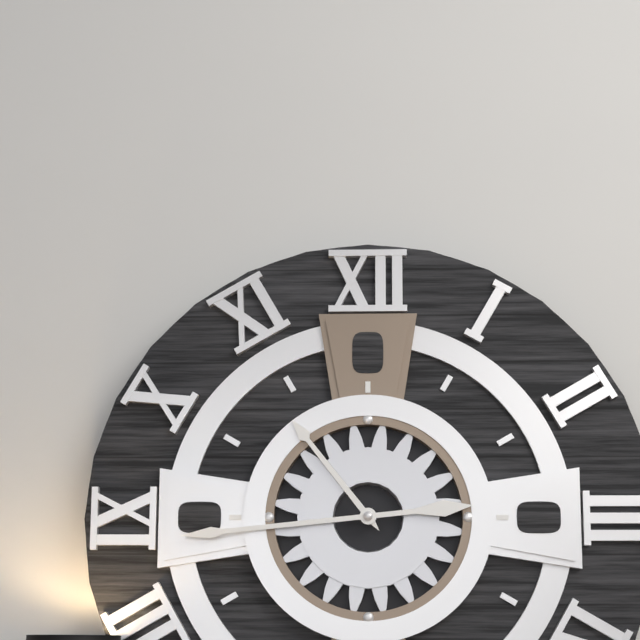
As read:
{"hour": 10, "minute": 44}
